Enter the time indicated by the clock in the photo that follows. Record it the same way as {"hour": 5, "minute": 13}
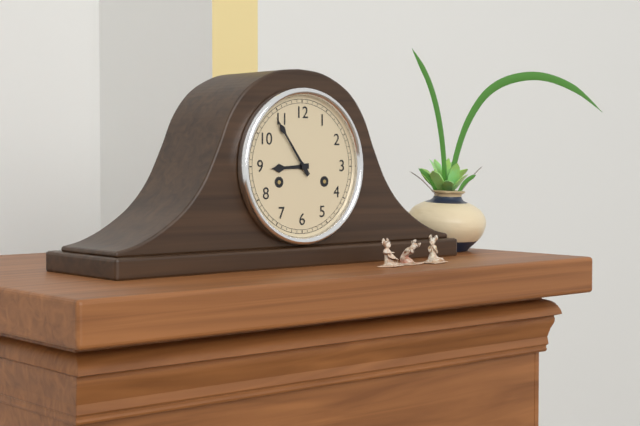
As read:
{"hour": 8, "minute": 54}
